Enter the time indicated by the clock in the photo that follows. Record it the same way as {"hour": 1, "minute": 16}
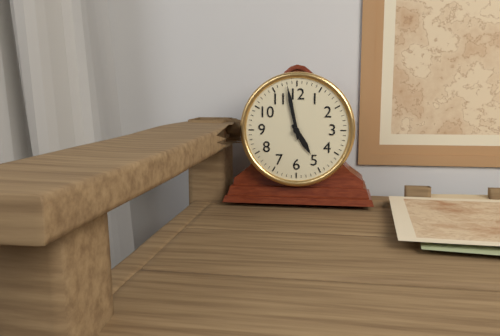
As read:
{"hour": 4, "minute": 58}
